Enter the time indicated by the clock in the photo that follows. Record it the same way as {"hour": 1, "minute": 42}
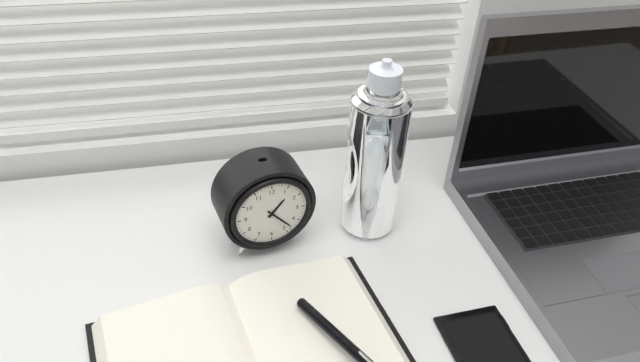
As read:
{"hour": 1, "minute": 23}
